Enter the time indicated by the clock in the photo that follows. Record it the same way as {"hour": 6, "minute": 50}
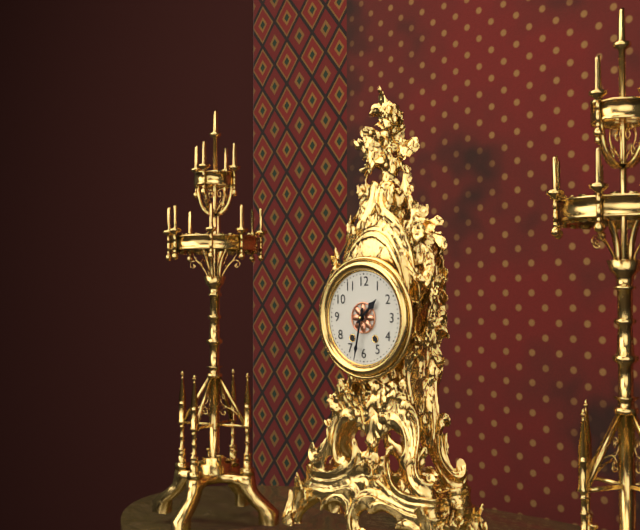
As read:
{"hour": 1, "minute": 32}
